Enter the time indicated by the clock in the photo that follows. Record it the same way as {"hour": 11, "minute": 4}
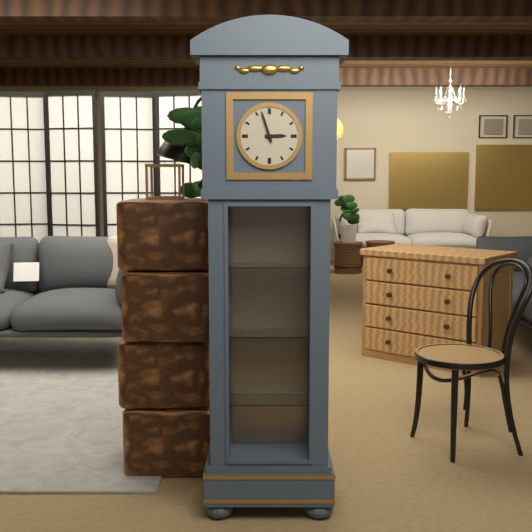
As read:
{"hour": 2, "minute": 57}
